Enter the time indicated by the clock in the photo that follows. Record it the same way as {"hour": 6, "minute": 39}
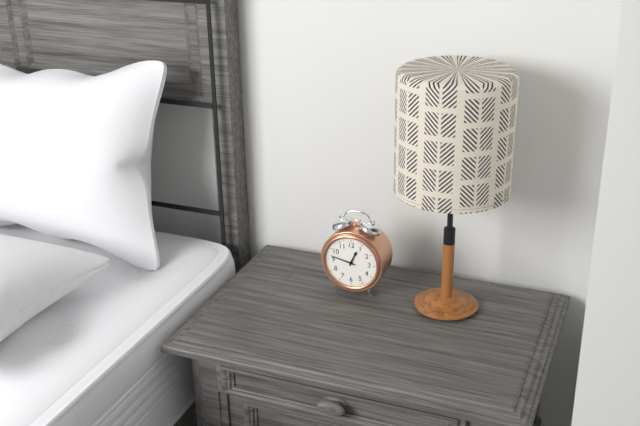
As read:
{"hour": 12, "minute": 47}
